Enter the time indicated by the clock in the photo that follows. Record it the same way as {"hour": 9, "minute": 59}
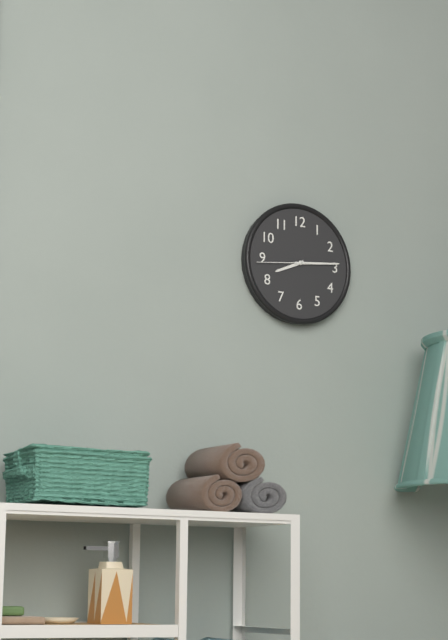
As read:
{"hour": 8, "minute": 14}
